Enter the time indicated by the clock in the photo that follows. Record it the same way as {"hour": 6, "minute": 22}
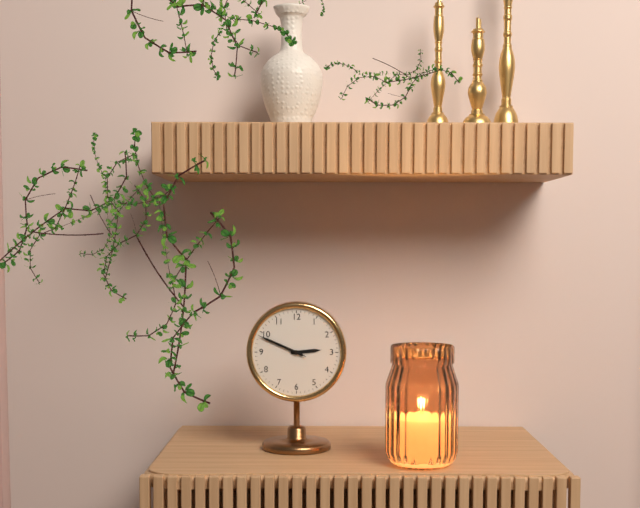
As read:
{"hour": 2, "minute": 49}
